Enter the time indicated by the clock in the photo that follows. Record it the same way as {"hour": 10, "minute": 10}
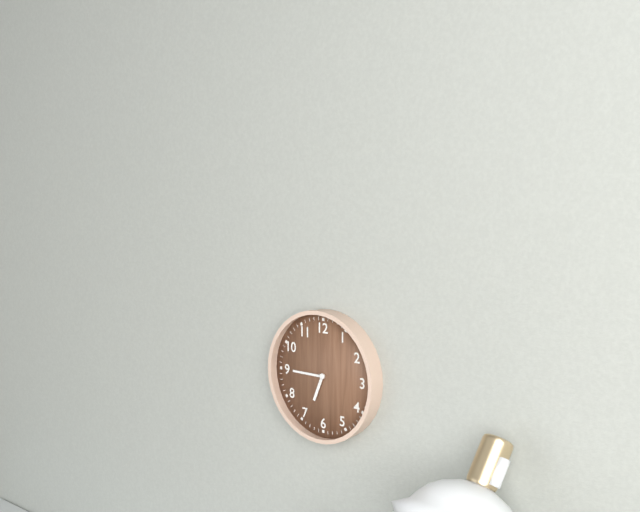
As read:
{"hour": 6, "minute": 45}
